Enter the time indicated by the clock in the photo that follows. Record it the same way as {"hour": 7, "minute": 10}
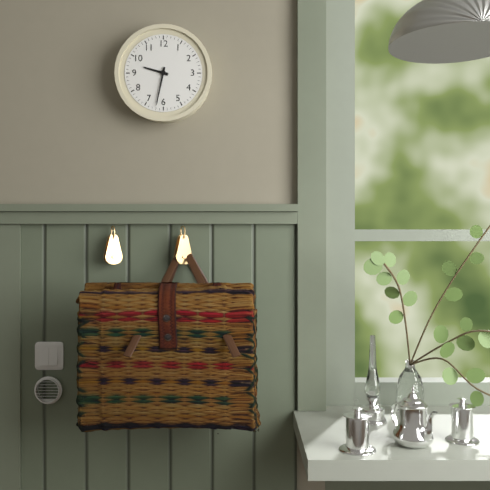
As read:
{"hour": 9, "minute": 32}
